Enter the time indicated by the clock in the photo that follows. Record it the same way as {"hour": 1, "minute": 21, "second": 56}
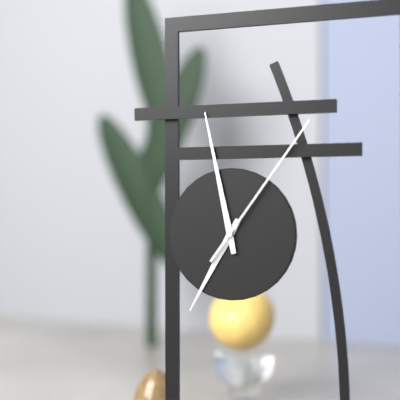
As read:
{"hour": 6, "minute": 58, "second": 6}
